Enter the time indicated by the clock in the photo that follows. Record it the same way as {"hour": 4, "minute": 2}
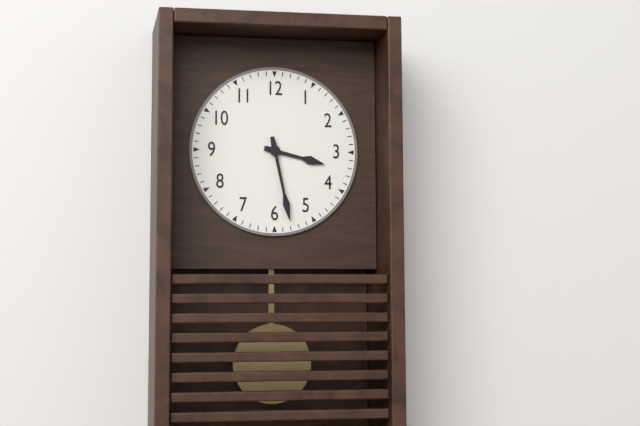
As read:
{"hour": 3, "minute": 28}
